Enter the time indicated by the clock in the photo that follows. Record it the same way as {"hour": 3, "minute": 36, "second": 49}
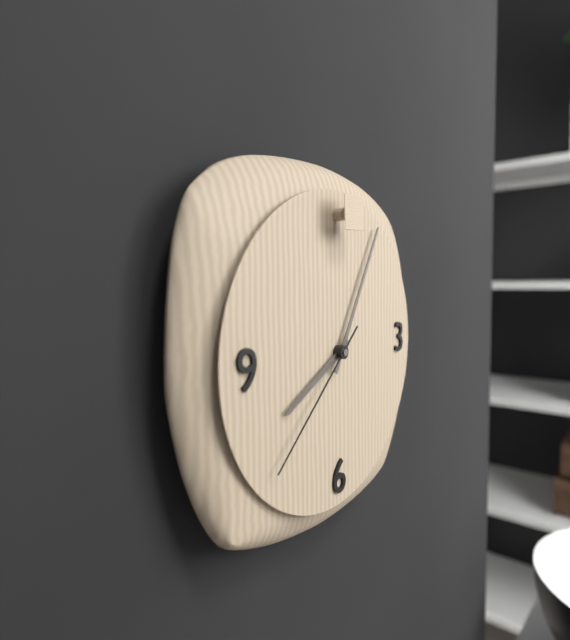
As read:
{"hour": 8, "minute": 5, "second": 38}
